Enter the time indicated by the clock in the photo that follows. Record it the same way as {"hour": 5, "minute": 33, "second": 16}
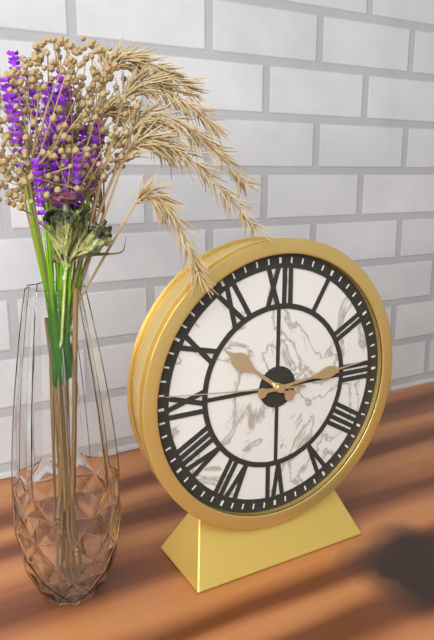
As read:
{"hour": 10, "minute": 14, "second": 46}
